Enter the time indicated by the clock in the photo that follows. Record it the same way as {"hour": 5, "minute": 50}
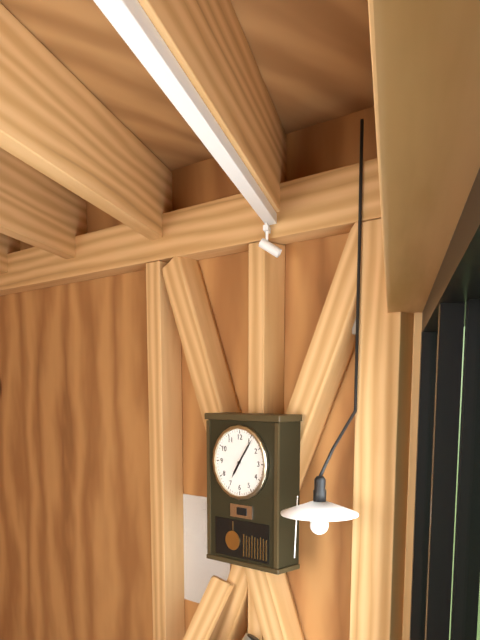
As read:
{"hour": 7, "minute": 6}
